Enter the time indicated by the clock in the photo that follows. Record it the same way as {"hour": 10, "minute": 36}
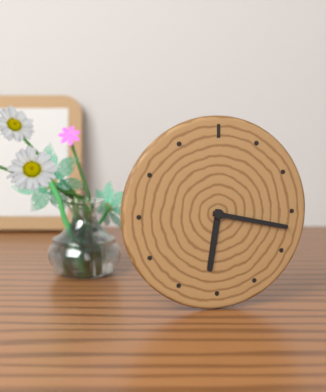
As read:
{"hour": 6, "minute": 17}
